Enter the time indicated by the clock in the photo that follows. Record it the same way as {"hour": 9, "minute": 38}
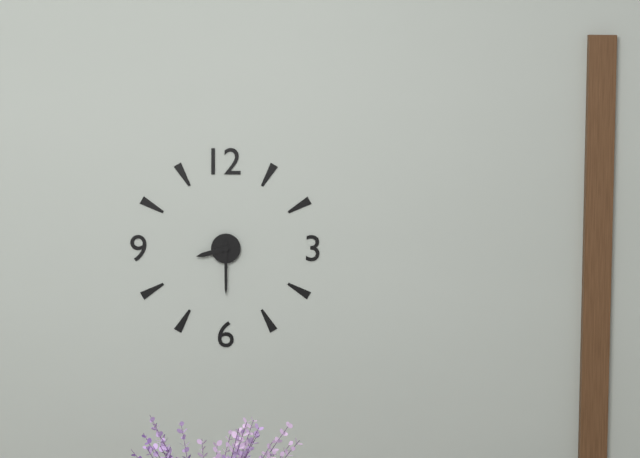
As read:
{"hour": 8, "minute": 30}
